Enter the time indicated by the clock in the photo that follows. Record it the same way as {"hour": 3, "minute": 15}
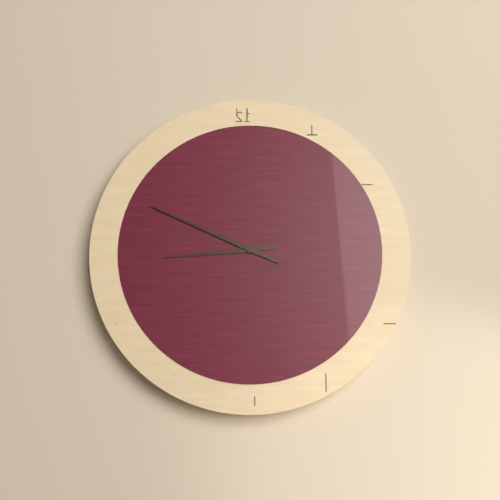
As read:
{"hour": 8, "minute": 49}
